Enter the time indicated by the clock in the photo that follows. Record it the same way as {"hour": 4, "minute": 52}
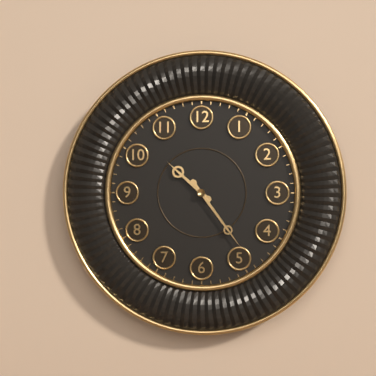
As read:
{"hour": 10, "minute": 24}
